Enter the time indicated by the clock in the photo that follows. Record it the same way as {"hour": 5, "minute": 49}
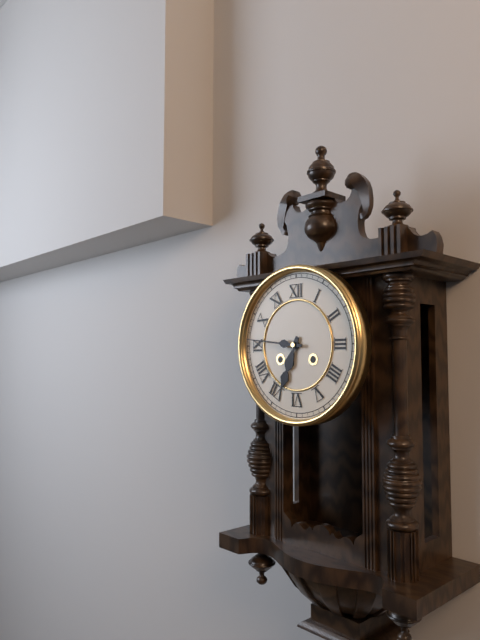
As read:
{"hour": 6, "minute": 46}
